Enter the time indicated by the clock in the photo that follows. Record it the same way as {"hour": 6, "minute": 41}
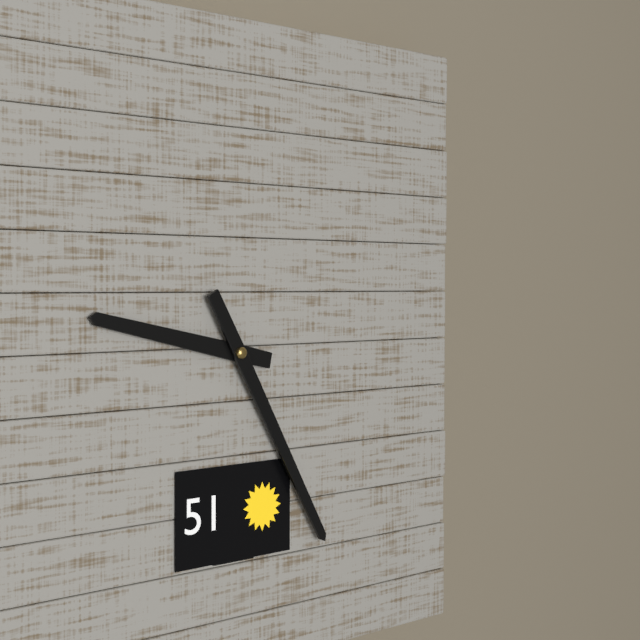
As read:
{"hour": 9, "minute": 25}
